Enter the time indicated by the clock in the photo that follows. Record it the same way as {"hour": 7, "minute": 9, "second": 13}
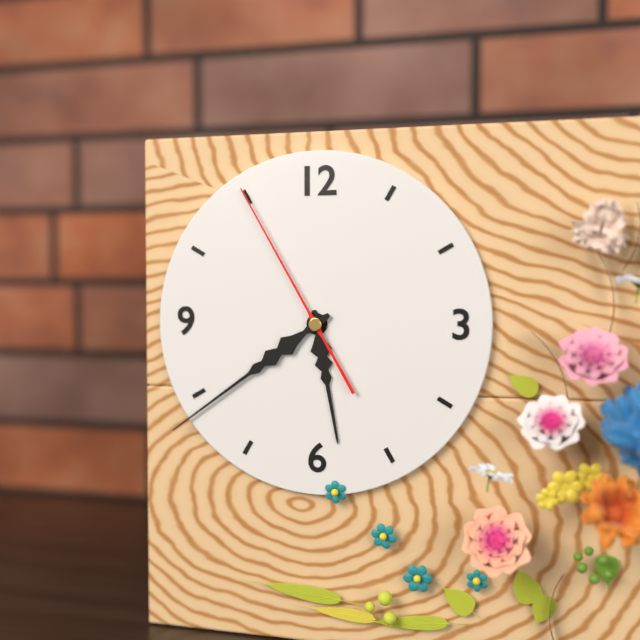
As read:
{"hour": 5, "minute": 39, "second": 55}
